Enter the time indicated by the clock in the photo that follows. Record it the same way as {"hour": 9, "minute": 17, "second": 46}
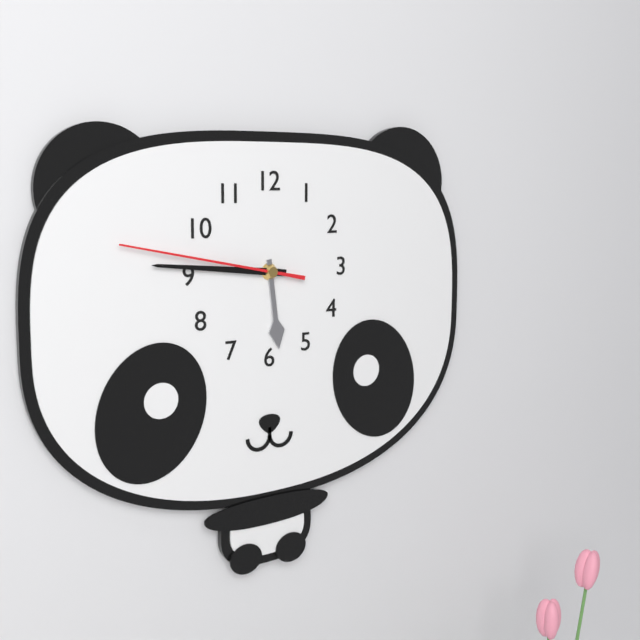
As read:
{"hour": 5, "minute": 46, "second": 47}
